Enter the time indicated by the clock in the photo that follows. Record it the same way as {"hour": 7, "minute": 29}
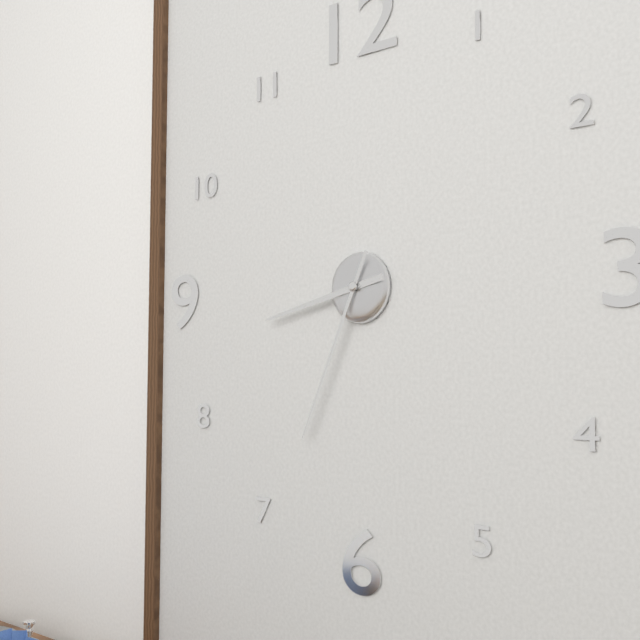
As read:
{"hour": 8, "minute": 34}
